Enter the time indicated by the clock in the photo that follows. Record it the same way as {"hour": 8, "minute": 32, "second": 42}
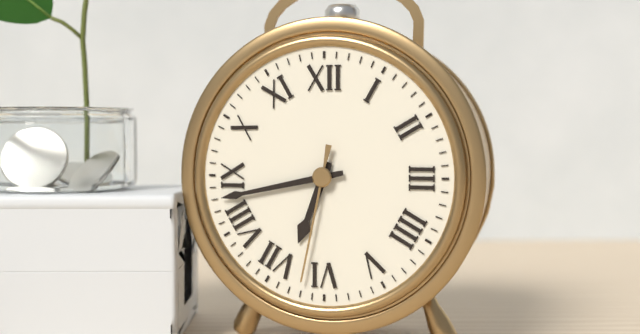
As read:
{"hour": 6, "minute": 43, "second": 32}
